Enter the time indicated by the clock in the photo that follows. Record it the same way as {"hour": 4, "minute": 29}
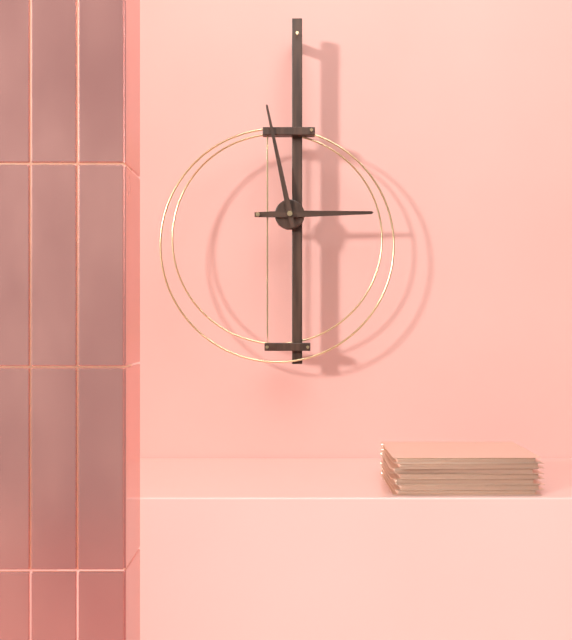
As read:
{"hour": 2, "minute": 58}
